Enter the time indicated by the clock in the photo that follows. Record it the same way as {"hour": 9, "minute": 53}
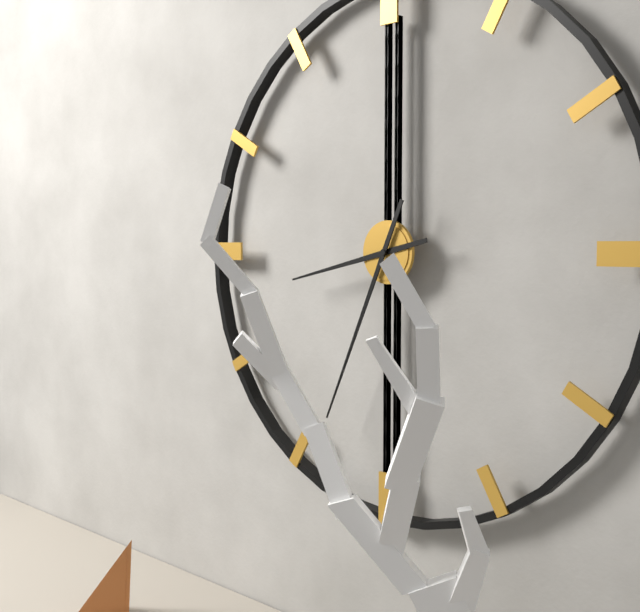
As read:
{"hour": 8, "minute": 34}
